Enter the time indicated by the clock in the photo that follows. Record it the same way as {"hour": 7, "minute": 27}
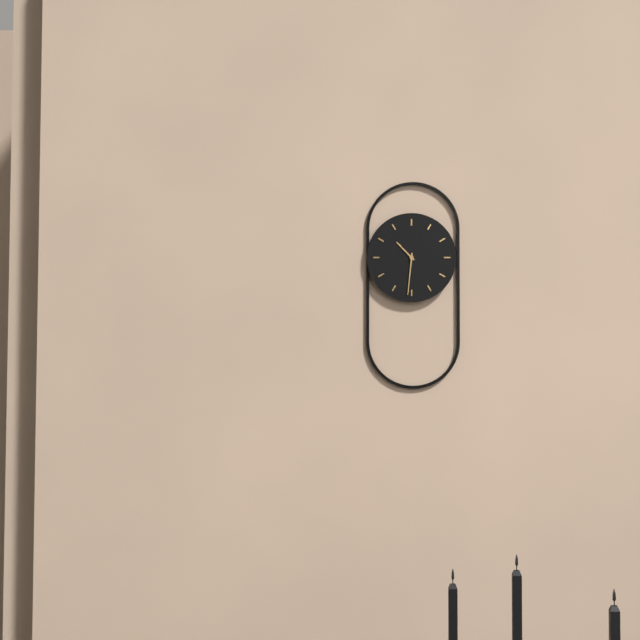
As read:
{"hour": 10, "minute": 31}
